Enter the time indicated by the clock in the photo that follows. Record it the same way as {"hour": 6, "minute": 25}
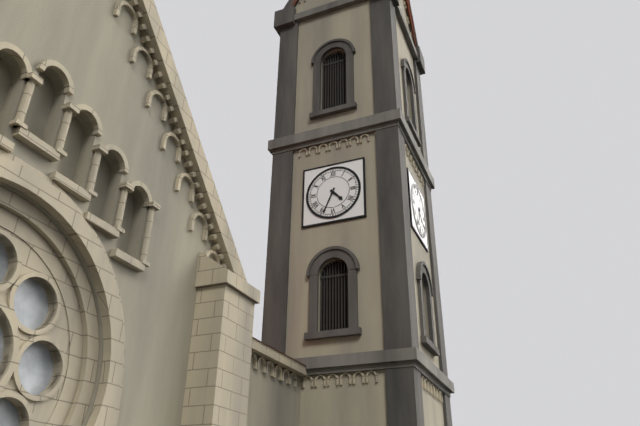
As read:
{"hour": 4, "minute": 34}
